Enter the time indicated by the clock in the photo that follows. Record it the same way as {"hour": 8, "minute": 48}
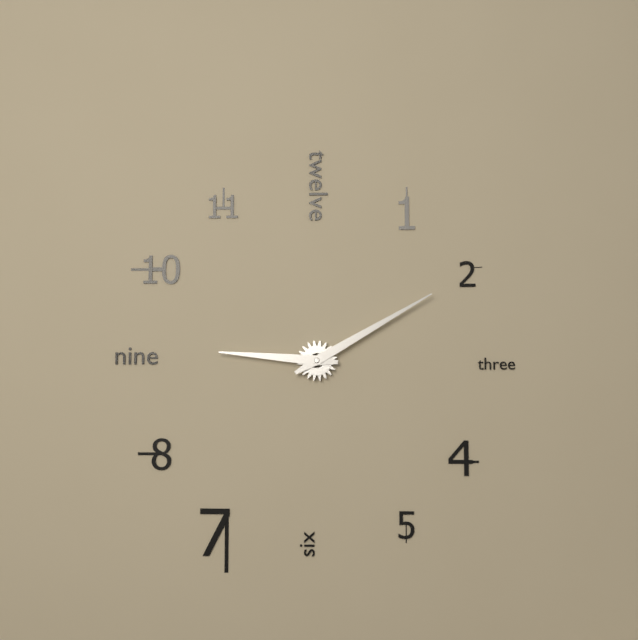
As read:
{"hour": 9, "minute": 10}
